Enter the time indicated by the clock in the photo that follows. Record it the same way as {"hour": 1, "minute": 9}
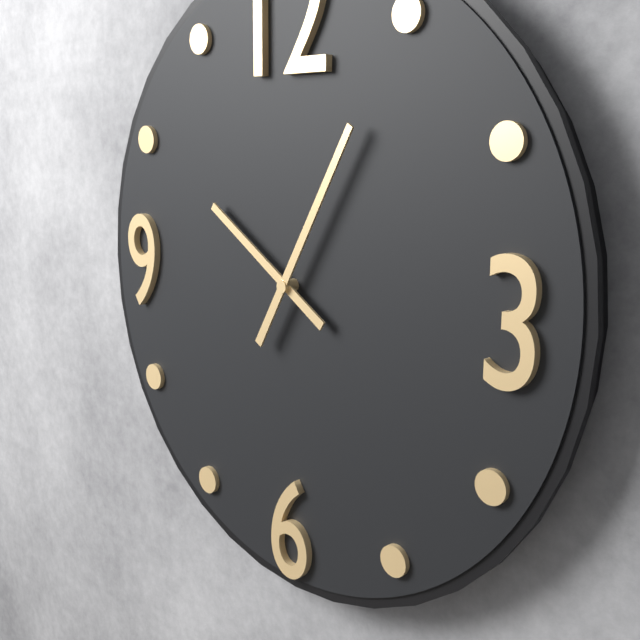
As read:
{"hour": 10, "minute": 5}
